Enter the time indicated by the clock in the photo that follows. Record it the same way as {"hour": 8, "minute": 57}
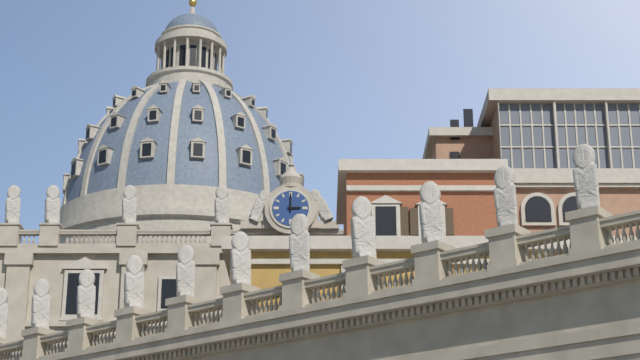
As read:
{"hour": 3, "minute": 0}
